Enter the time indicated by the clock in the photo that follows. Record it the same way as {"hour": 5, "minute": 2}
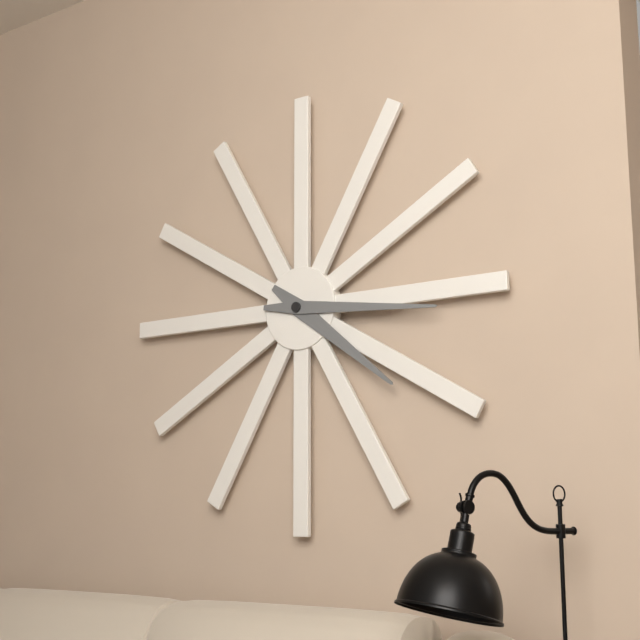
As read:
{"hour": 4, "minute": 16}
